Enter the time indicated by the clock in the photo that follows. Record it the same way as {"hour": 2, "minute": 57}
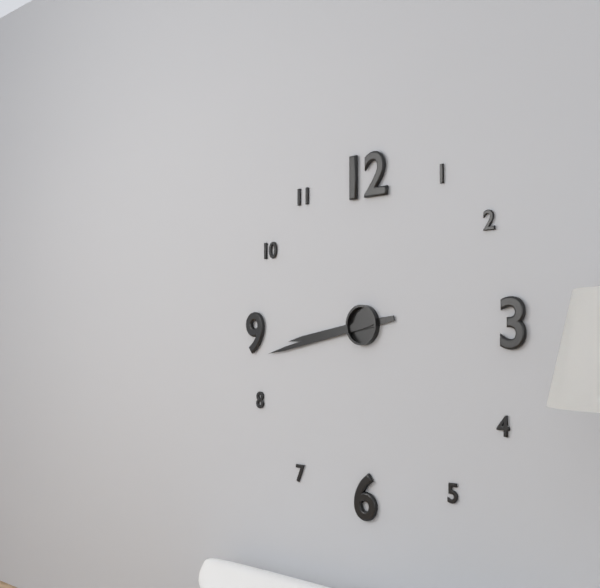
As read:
{"hour": 8, "minute": 43}
